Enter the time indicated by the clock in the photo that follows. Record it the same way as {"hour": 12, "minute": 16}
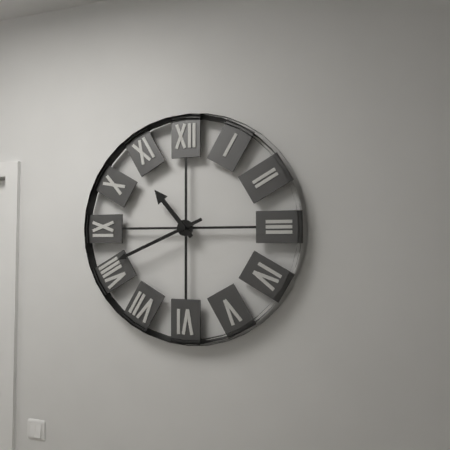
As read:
{"hour": 10, "minute": 41}
